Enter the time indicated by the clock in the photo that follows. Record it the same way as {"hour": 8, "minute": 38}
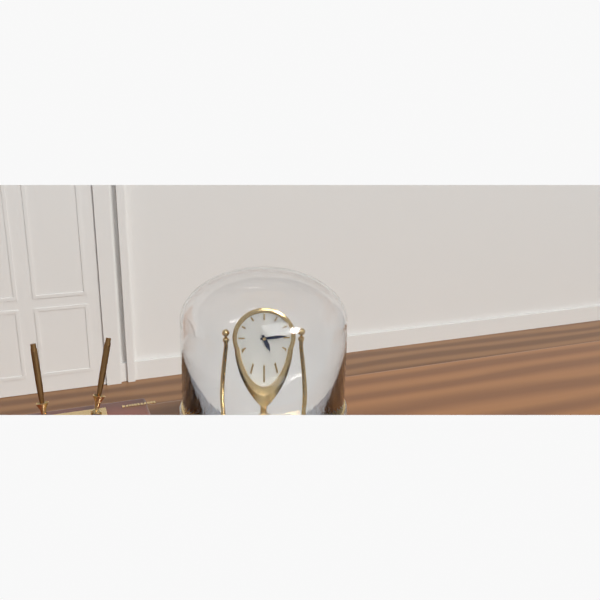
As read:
{"hour": 5, "minute": 14}
